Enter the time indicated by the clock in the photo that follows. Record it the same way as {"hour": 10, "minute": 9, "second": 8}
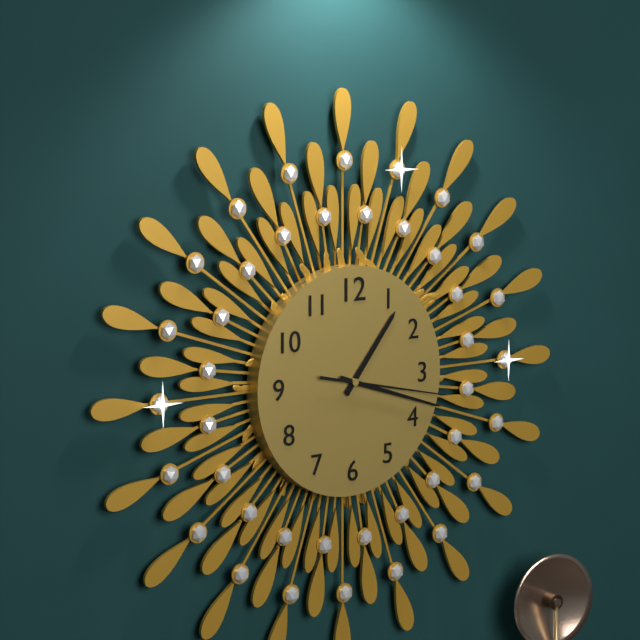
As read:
{"hour": 1, "minute": 18, "second": 17}
